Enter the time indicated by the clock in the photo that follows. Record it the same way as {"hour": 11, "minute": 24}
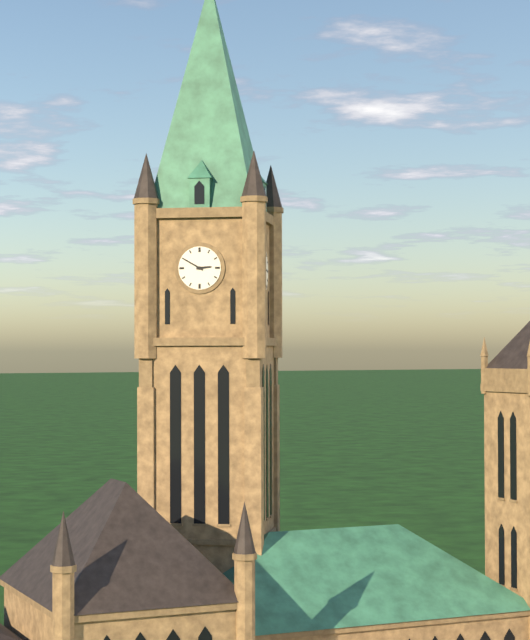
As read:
{"hour": 2, "minute": 50}
